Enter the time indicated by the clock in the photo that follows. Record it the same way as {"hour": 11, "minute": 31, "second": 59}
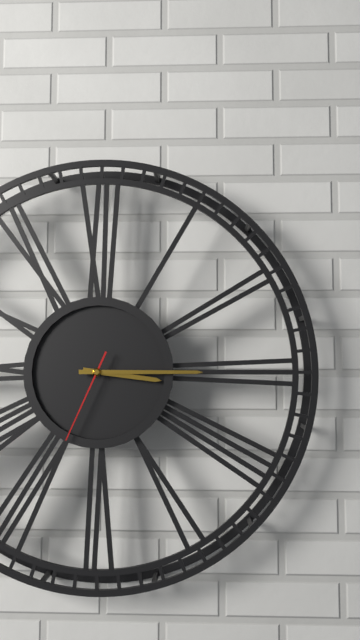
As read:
{"hour": 3, "minute": 15, "second": 34}
